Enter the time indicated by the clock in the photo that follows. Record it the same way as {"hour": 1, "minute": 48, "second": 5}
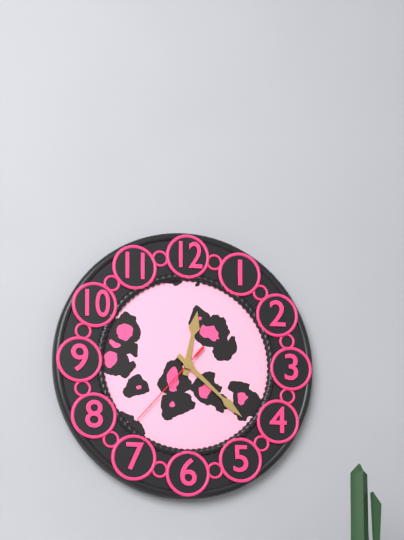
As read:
{"hour": 12, "minute": 22, "second": 37}
